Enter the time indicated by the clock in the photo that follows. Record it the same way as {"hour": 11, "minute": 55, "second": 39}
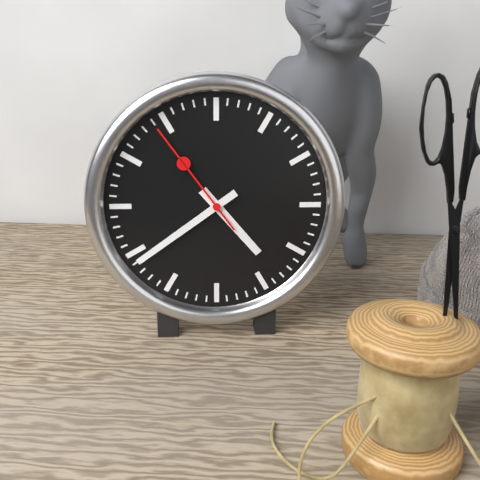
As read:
{"hour": 4, "minute": 39, "second": 54}
